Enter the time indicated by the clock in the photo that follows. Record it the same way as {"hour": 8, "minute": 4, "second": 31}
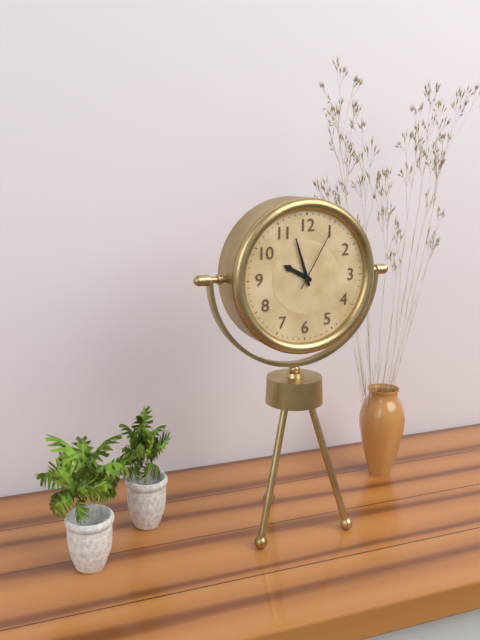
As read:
{"hour": 9, "minute": 57, "second": 5}
